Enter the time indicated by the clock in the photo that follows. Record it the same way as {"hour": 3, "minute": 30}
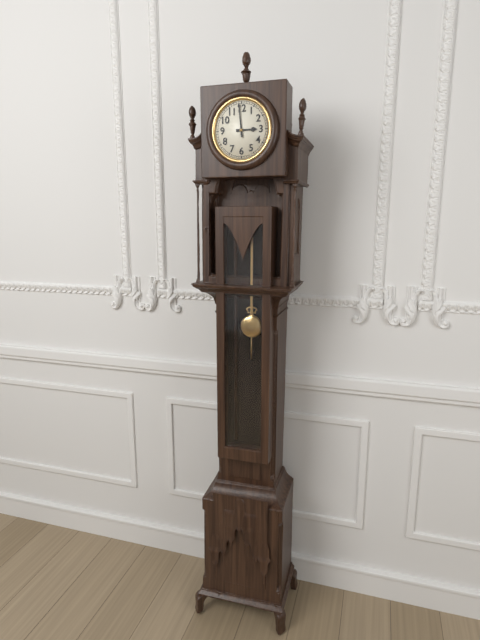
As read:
{"hour": 2, "minute": 59}
